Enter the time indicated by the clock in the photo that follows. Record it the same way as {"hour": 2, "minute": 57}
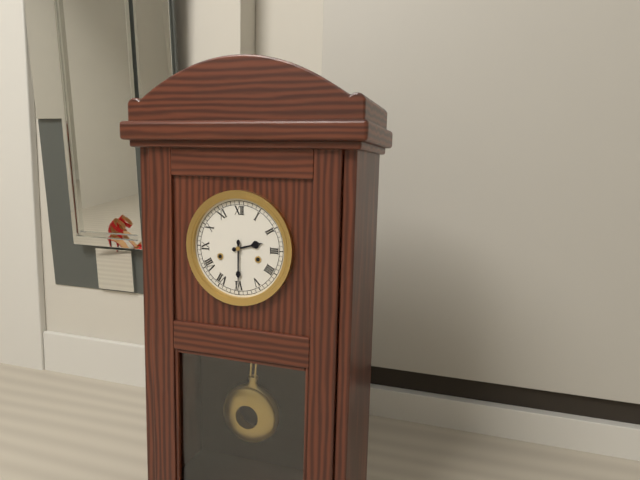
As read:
{"hour": 2, "minute": 30}
